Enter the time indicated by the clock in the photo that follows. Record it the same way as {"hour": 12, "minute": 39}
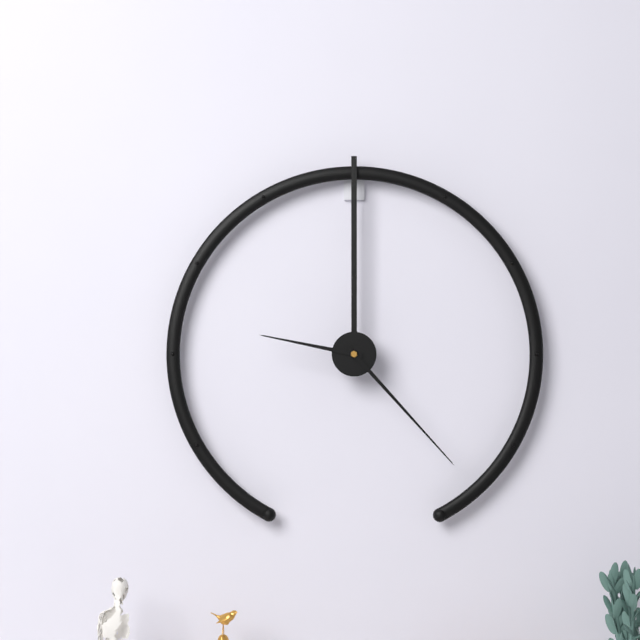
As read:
{"hour": 9, "minute": 23}
